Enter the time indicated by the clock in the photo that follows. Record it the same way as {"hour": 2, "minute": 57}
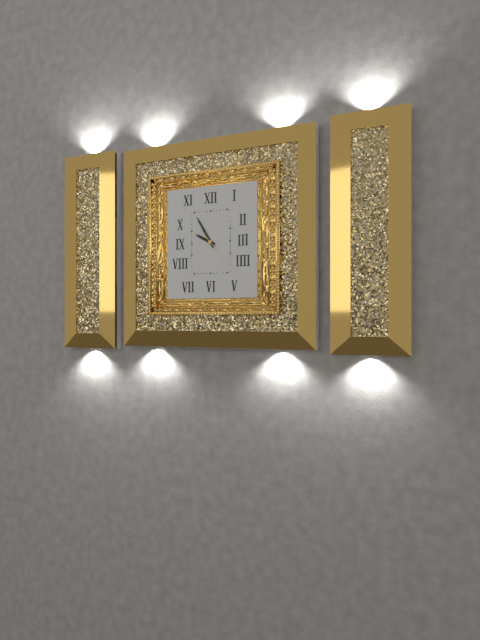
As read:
{"hour": 9, "minute": 55}
